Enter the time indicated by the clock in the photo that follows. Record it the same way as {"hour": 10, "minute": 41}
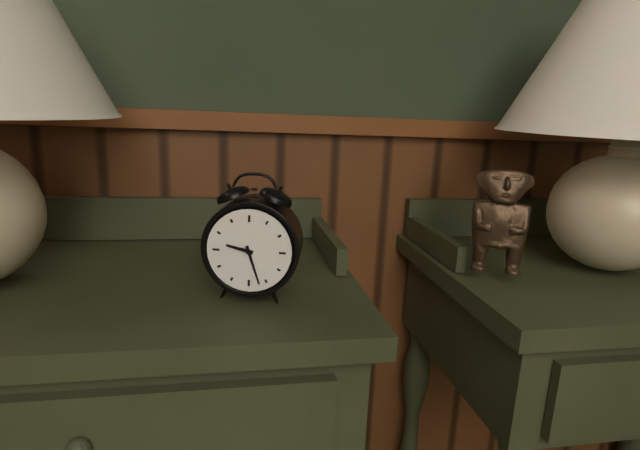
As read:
{"hour": 9, "minute": 27}
